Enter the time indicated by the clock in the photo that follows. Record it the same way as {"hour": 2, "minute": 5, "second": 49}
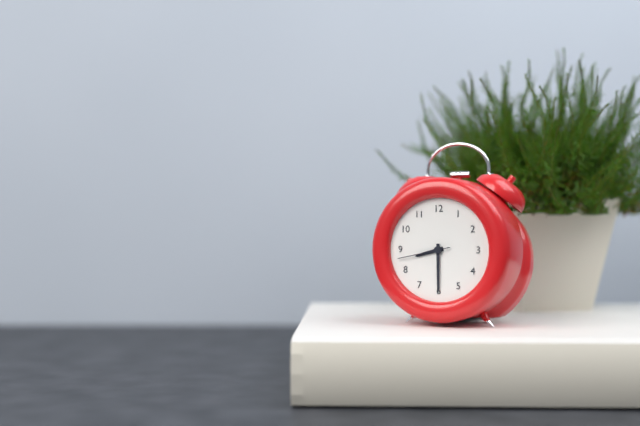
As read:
{"hour": 8, "minute": 30, "second": 43}
